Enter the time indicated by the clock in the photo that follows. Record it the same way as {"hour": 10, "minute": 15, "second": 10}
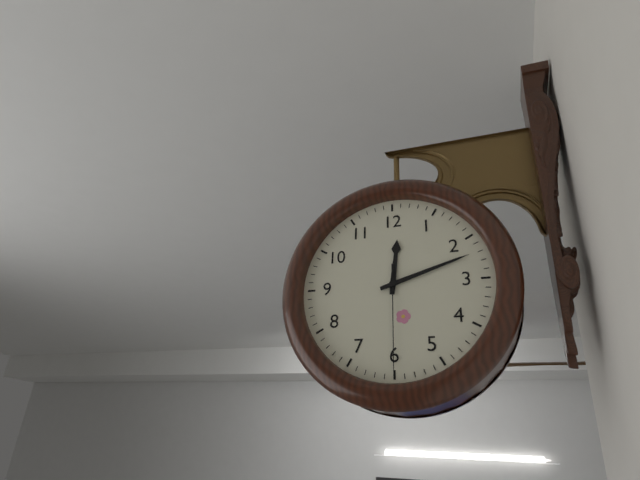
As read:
{"hour": 12, "minute": 12, "second": 30}
